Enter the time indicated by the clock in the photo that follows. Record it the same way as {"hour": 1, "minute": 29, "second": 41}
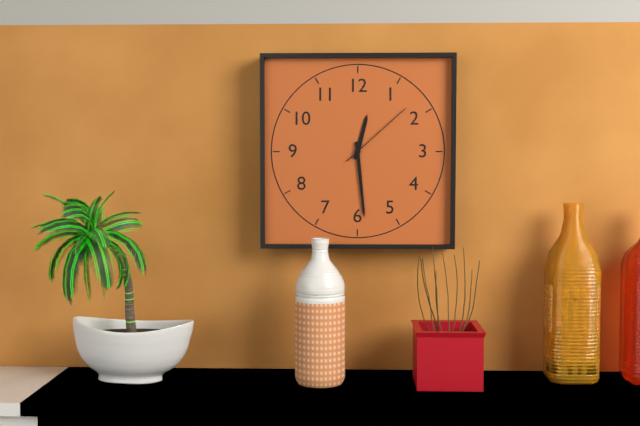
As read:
{"hour": 12, "minute": 29, "second": 8}
